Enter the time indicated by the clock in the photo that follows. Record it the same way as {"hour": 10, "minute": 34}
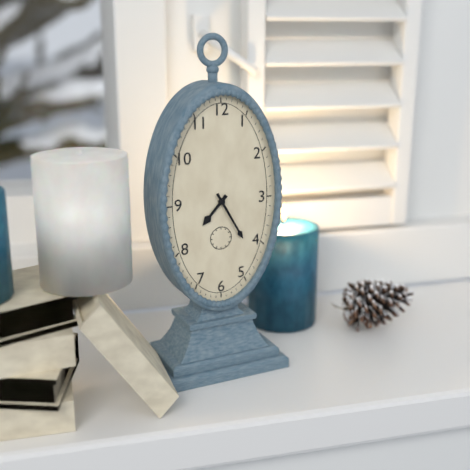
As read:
{"hour": 7, "minute": 25}
